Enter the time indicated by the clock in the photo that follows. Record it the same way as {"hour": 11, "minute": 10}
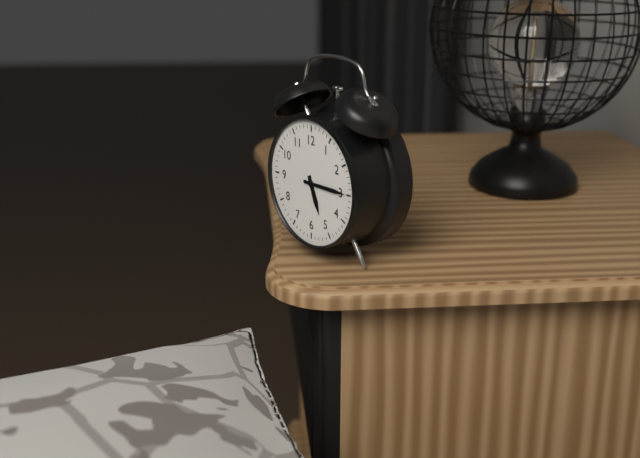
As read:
{"hour": 5, "minute": 15}
